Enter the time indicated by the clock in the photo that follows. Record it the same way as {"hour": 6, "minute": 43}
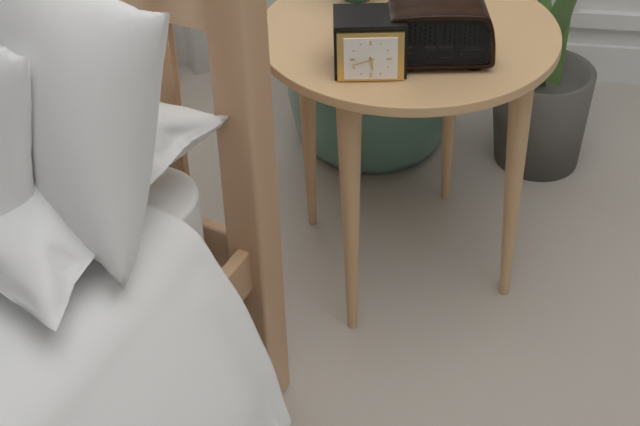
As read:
{"hour": 5, "minute": 42}
